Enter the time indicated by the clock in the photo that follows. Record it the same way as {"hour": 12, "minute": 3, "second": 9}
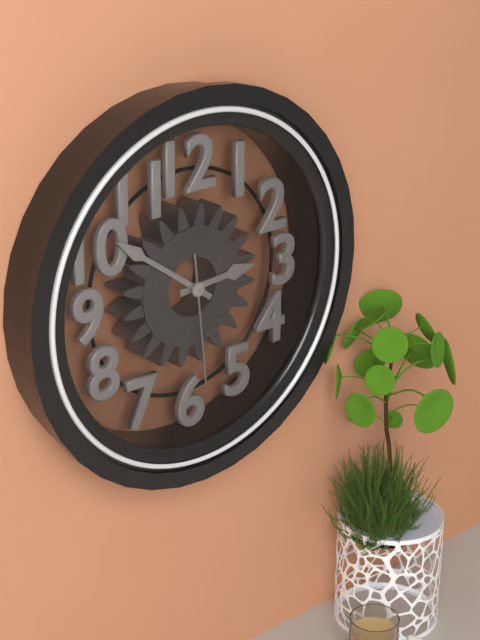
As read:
{"hour": 2, "minute": 51, "second": 29}
